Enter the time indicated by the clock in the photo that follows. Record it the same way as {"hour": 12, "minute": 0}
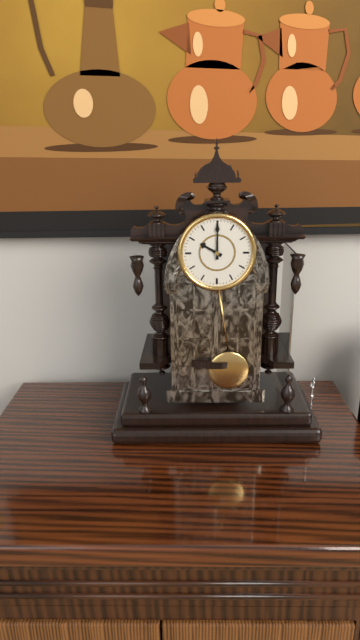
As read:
{"hour": 10, "minute": 0}
